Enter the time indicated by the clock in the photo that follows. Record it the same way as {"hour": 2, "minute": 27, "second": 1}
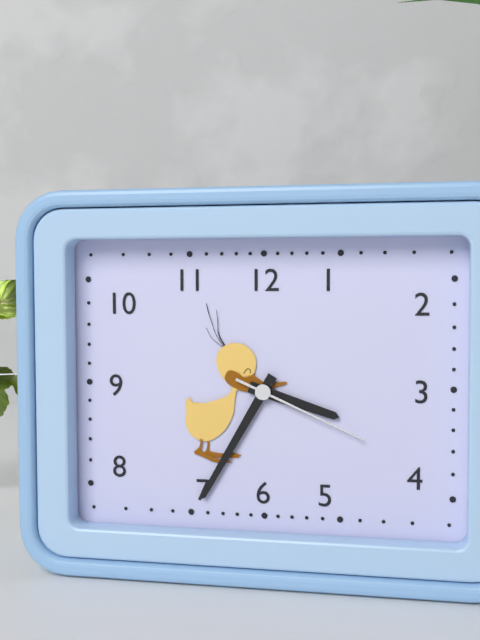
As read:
{"hour": 3, "minute": 35, "second": 19}
